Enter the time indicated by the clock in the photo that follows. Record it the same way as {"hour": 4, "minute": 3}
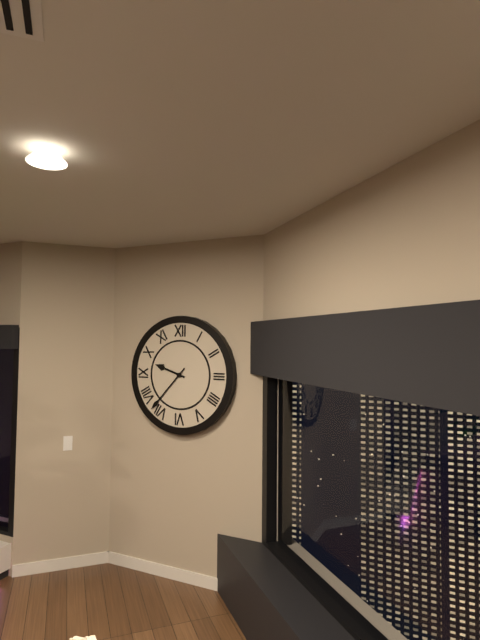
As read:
{"hour": 9, "minute": 37}
